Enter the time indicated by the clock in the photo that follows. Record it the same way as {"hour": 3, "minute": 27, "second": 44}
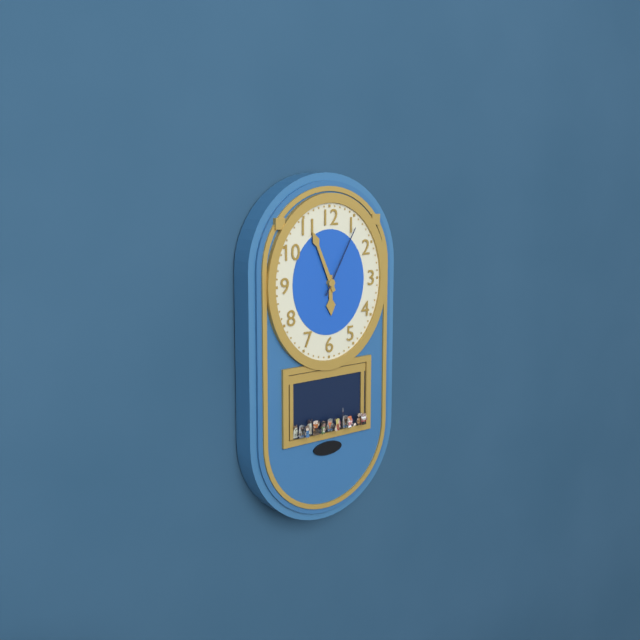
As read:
{"hour": 5, "minute": 56, "second": 5}
